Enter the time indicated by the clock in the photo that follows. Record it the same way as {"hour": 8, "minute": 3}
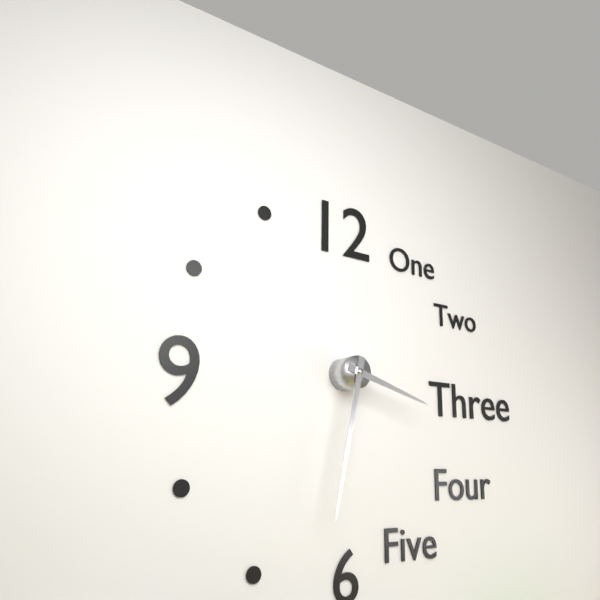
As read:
{"hour": 3, "minute": 32}
